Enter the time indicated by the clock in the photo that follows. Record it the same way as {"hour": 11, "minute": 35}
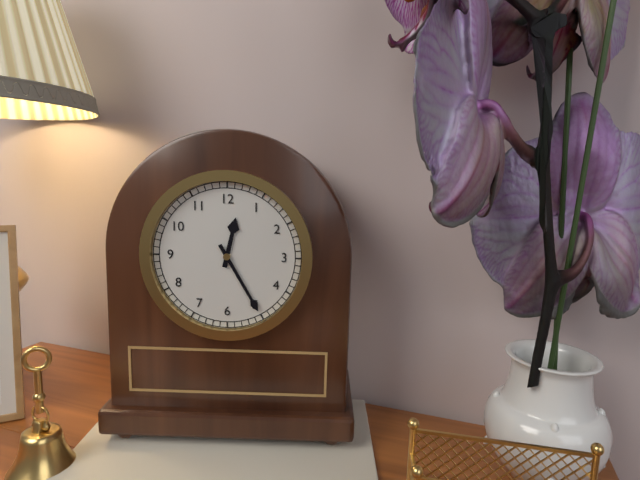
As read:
{"hour": 12, "minute": 25}
